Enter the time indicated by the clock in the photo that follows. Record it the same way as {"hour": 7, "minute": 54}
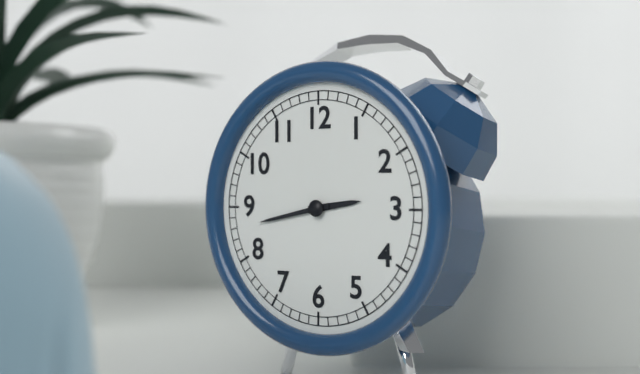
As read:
{"hour": 2, "minute": 43}
